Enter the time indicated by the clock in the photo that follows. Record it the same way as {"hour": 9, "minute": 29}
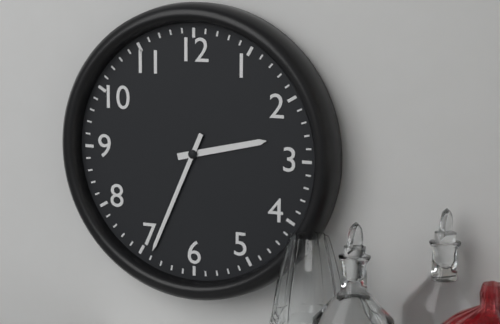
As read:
{"hour": 2, "minute": 34}
